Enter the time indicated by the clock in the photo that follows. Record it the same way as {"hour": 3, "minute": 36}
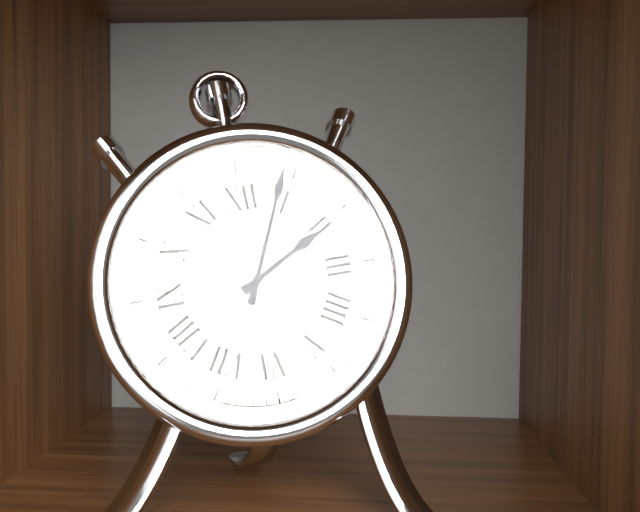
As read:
{"hour": 2, "minute": 4}
